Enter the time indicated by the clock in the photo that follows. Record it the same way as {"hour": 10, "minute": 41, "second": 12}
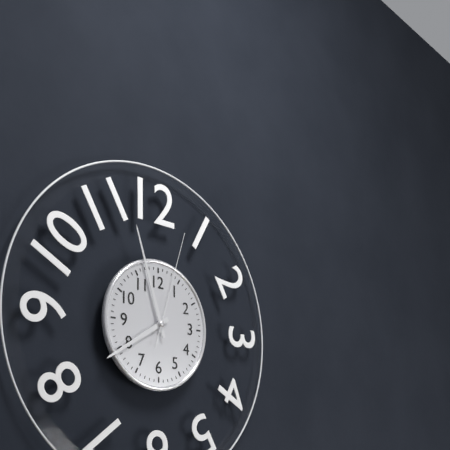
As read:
{"hour": 7, "minute": 57, "second": 3}
